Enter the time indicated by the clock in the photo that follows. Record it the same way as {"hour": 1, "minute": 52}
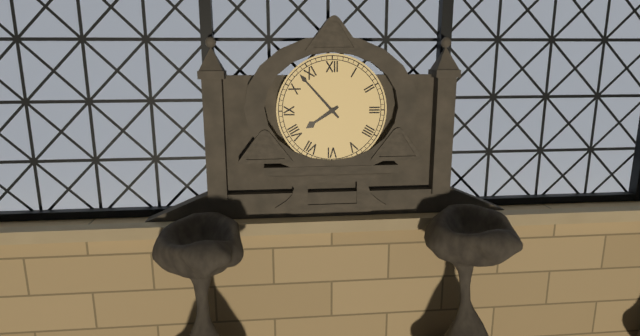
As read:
{"hour": 7, "minute": 53}
